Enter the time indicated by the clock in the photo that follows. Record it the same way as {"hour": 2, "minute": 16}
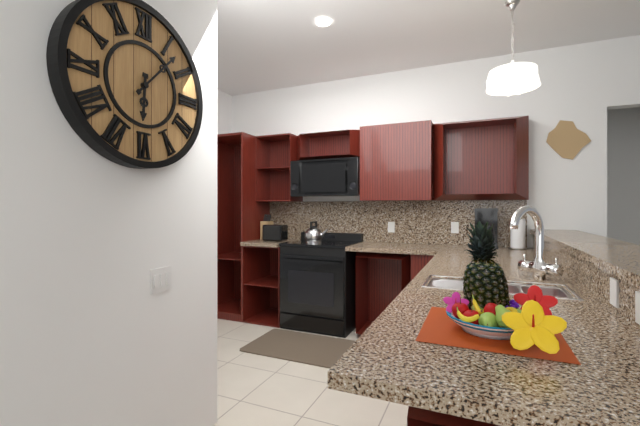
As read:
{"hour": 6, "minute": 7}
